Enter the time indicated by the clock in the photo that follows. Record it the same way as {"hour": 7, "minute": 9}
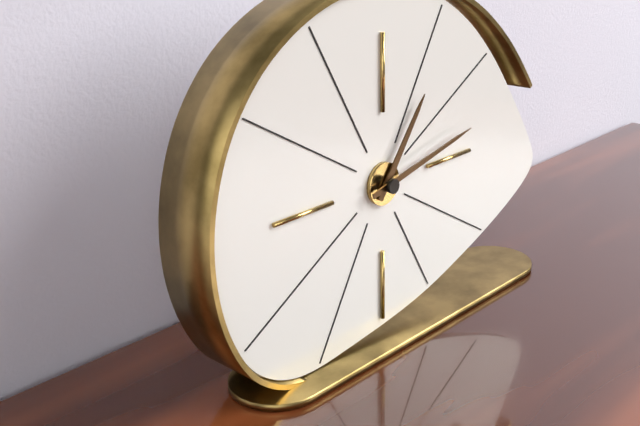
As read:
{"hour": 1, "minute": 13}
